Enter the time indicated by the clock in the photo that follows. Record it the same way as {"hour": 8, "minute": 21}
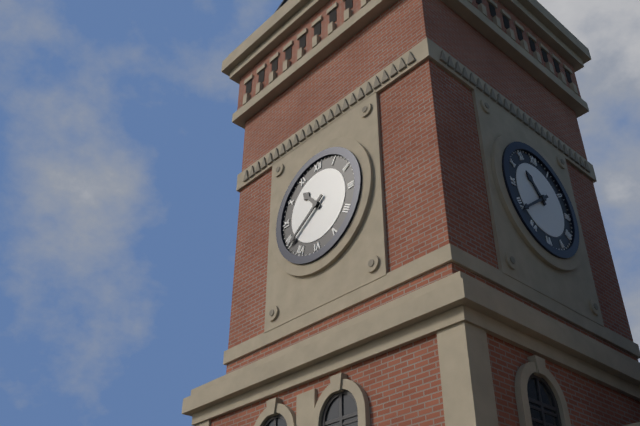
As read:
{"hour": 10, "minute": 39}
